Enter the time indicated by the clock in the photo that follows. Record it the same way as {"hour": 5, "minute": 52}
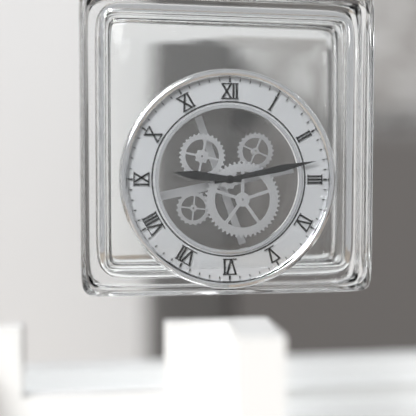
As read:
{"hour": 9, "minute": 13}
